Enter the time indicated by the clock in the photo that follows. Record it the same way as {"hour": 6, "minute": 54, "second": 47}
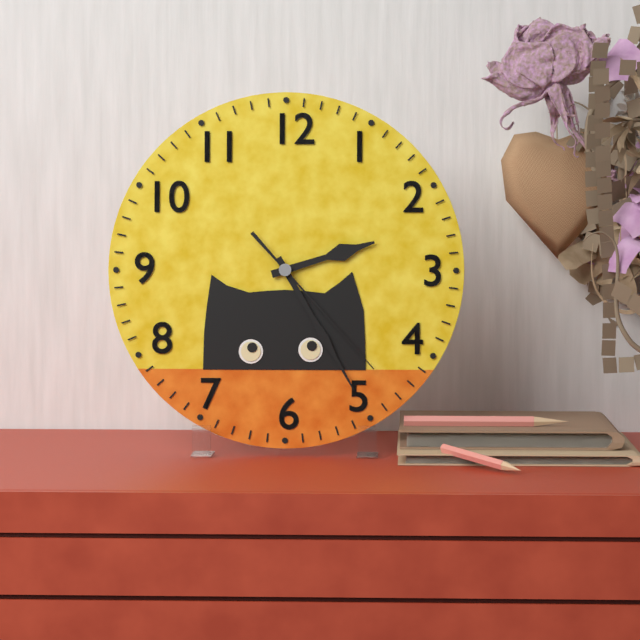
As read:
{"hour": 2, "minute": 25, "second": 23}
